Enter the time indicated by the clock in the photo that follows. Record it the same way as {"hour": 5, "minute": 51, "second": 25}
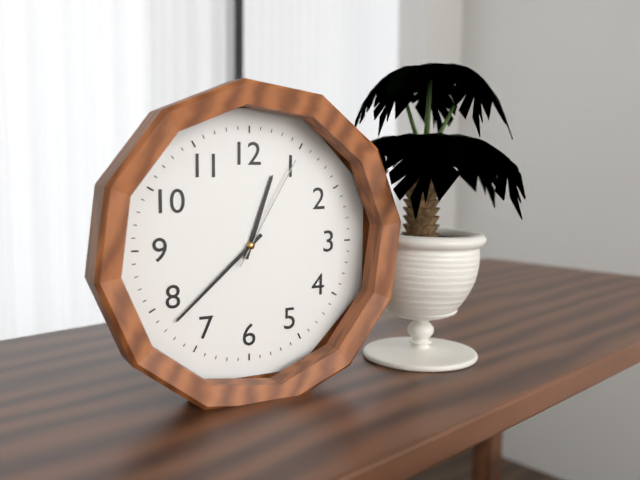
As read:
{"hour": 12, "minute": 38, "second": 5}
